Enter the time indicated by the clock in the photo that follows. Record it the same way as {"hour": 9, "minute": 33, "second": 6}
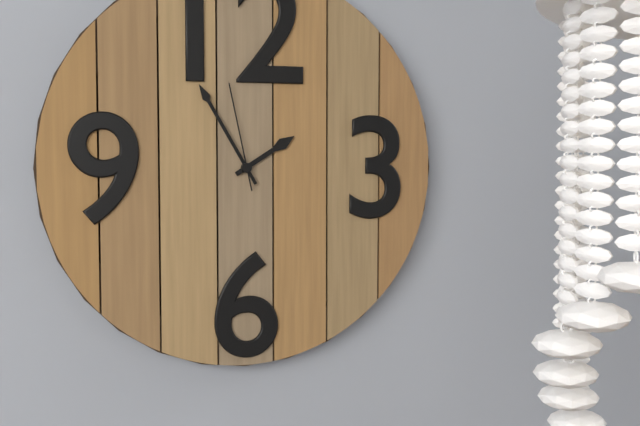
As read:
{"hour": 1, "minute": 55, "second": 58}
